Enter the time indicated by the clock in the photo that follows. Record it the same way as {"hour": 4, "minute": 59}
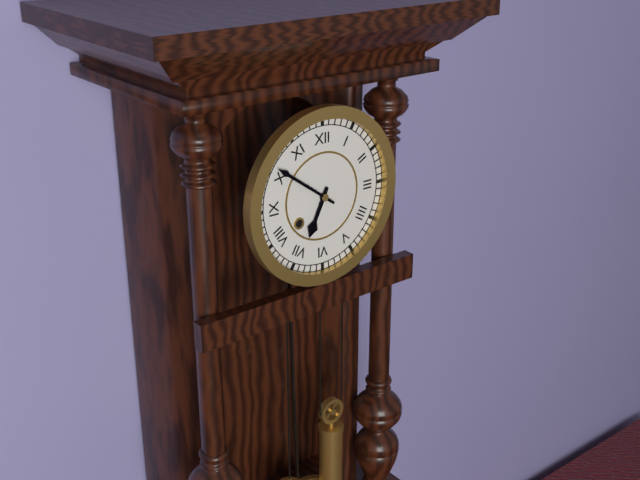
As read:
{"hour": 6, "minute": 51}
